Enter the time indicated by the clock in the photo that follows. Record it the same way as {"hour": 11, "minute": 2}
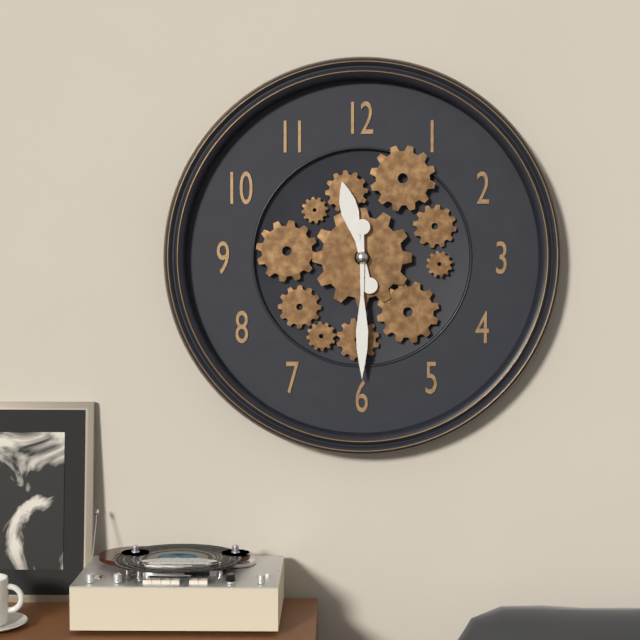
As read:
{"hour": 11, "minute": 30}
